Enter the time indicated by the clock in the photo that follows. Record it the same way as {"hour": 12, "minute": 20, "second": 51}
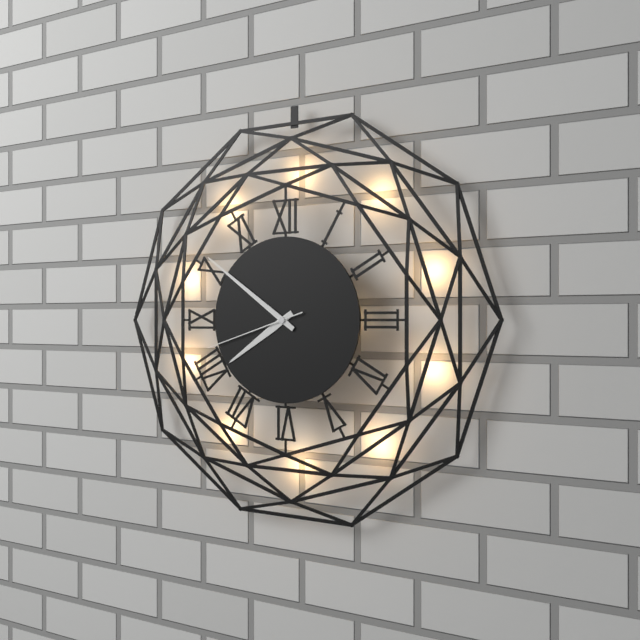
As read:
{"hour": 7, "minute": 51, "second": 42}
